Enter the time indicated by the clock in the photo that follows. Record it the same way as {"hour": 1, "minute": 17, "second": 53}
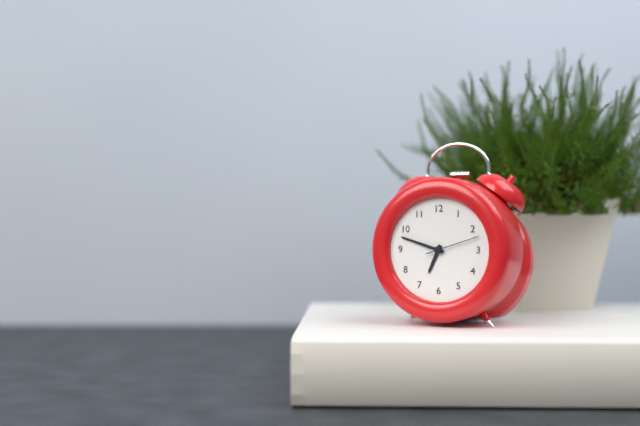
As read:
{"hour": 6, "minute": 48, "second": 12}
